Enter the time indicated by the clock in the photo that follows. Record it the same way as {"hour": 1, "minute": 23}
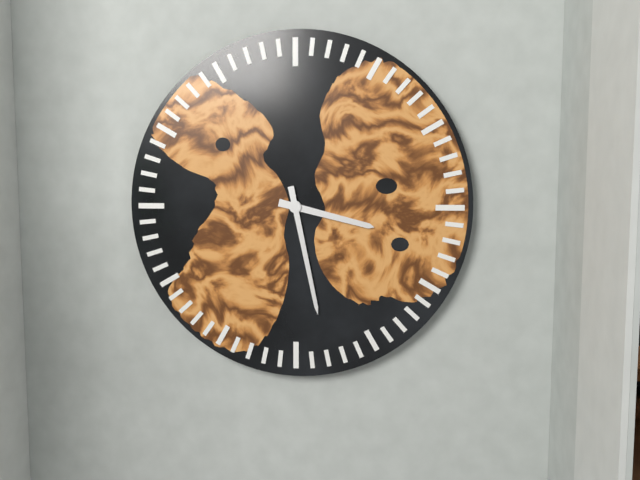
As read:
{"hour": 3, "minute": 28}
